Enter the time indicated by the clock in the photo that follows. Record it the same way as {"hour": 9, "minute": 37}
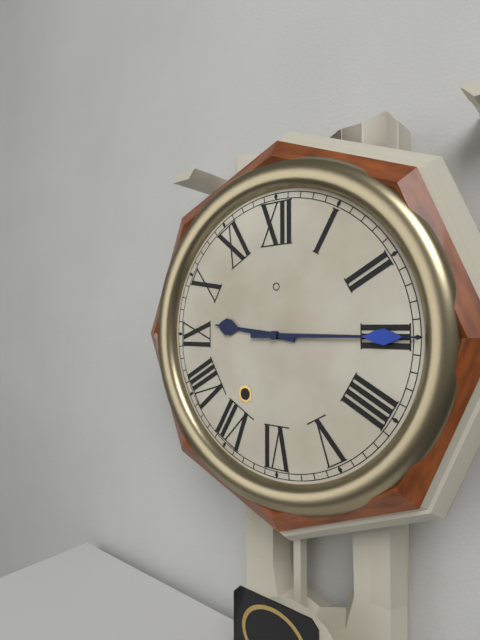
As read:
{"hour": 9, "minute": 15}
